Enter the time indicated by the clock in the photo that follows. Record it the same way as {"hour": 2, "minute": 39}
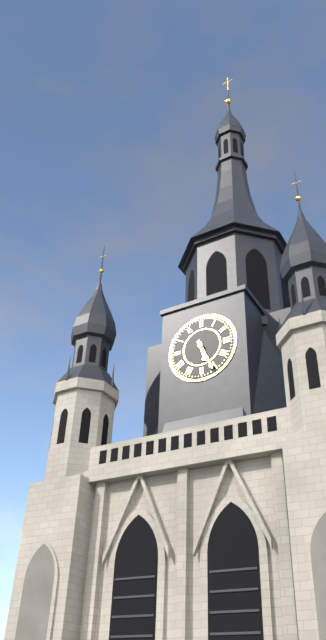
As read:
{"hour": 5, "minute": 26}
